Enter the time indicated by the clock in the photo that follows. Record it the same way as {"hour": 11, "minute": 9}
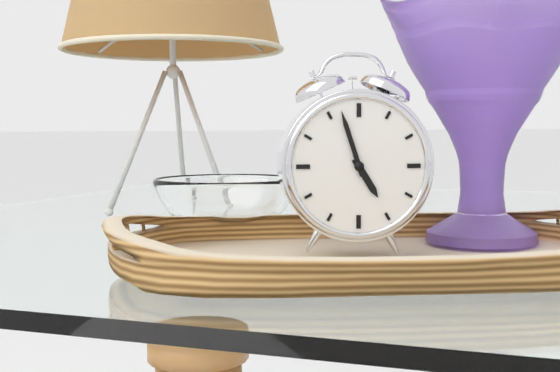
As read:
{"hour": 4, "minute": 57}
